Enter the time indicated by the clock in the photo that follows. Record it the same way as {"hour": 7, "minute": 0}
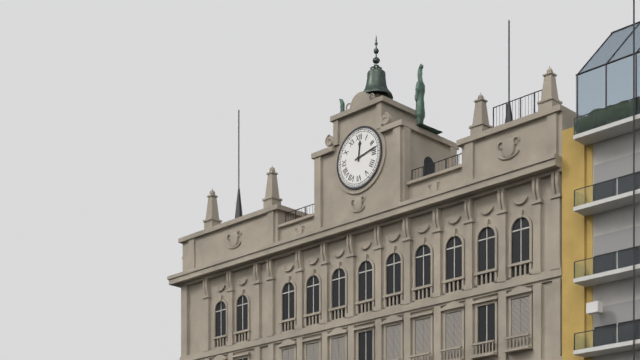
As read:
{"hour": 12, "minute": 13}
